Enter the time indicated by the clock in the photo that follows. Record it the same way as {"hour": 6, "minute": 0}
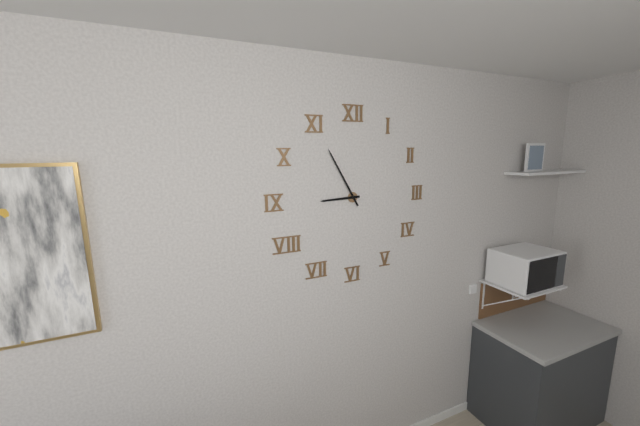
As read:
{"hour": 8, "minute": 55}
